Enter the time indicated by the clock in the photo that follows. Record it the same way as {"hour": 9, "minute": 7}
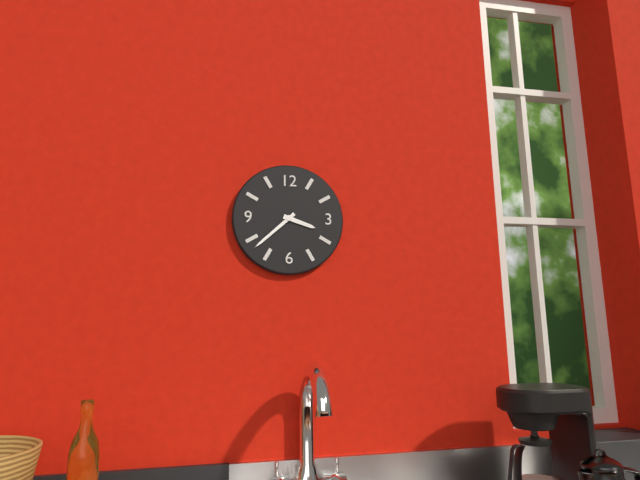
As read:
{"hour": 3, "minute": 38}
